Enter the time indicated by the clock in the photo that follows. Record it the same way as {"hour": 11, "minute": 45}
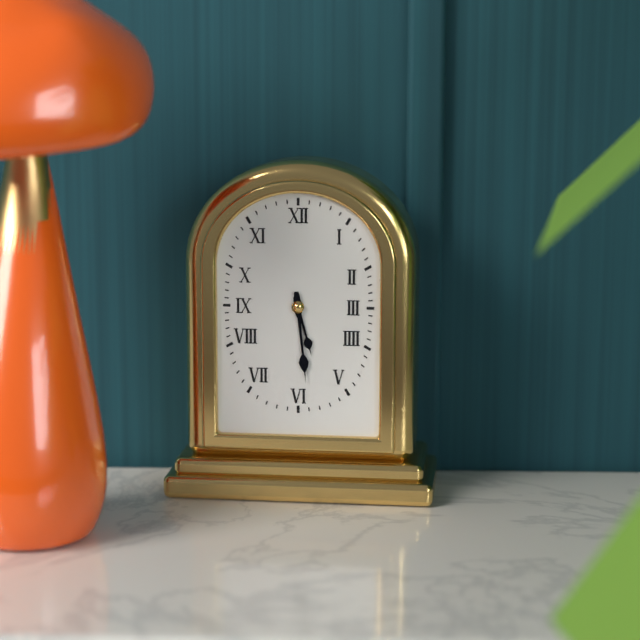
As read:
{"hour": 5, "minute": 29}
